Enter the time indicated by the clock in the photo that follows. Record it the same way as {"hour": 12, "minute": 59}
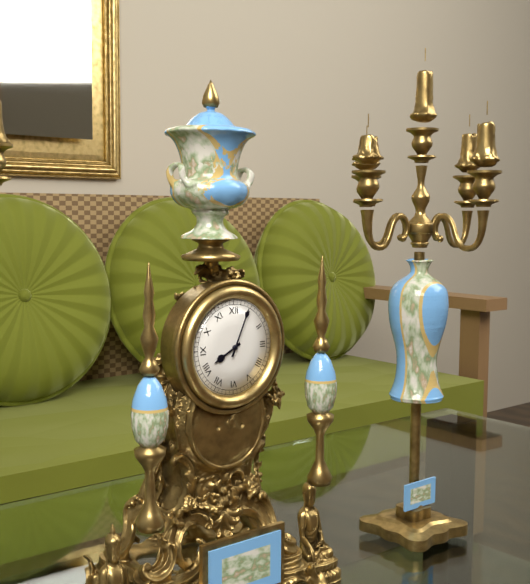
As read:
{"hour": 8, "minute": 4}
